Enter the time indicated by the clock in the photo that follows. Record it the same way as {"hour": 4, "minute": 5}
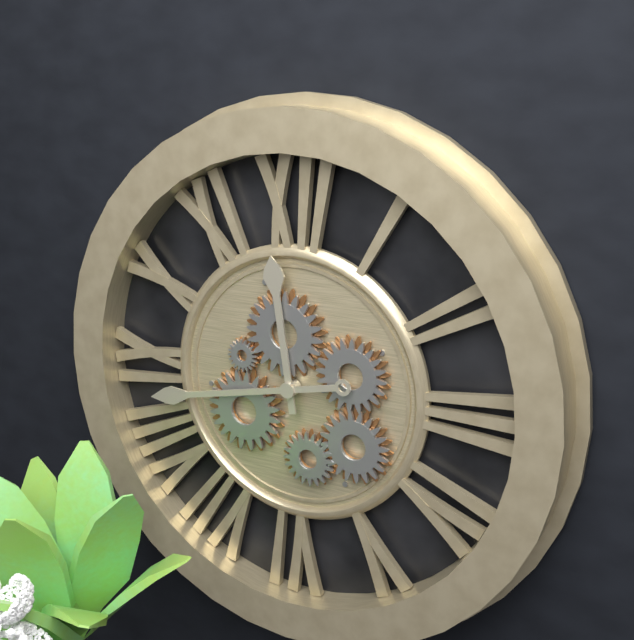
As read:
{"hour": 11, "minute": 43}
